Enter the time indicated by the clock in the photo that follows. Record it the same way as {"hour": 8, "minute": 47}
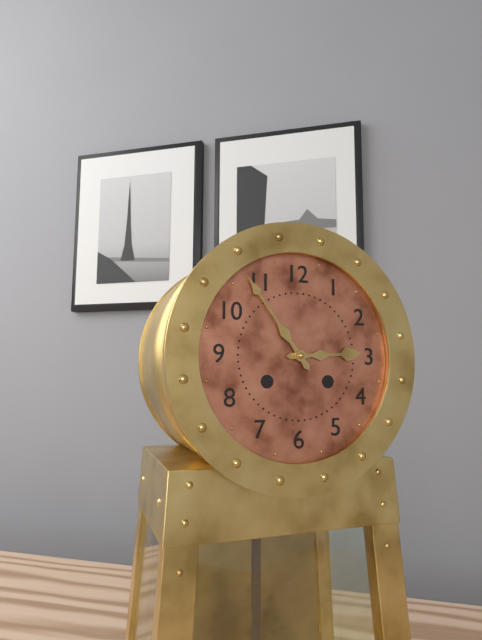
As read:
{"hour": 2, "minute": 54}
